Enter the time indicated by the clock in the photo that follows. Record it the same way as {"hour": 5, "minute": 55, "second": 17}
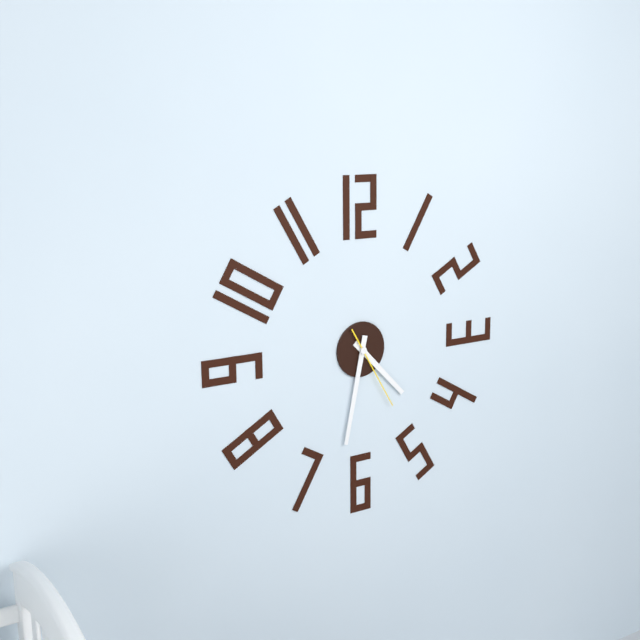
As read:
{"hour": 4, "minute": 32, "second": 25}
